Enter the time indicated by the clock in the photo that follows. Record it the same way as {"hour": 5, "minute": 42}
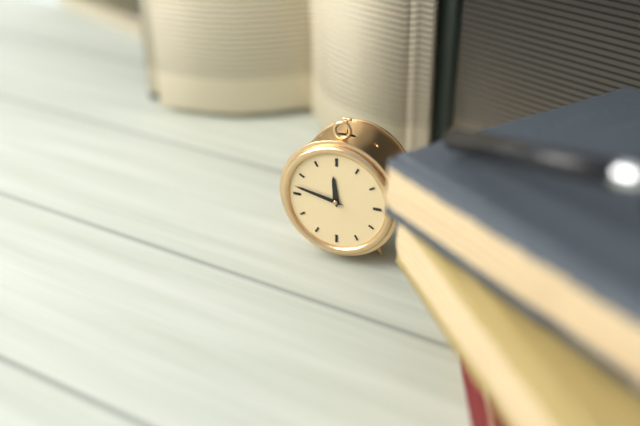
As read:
{"hour": 11, "minute": 47}
